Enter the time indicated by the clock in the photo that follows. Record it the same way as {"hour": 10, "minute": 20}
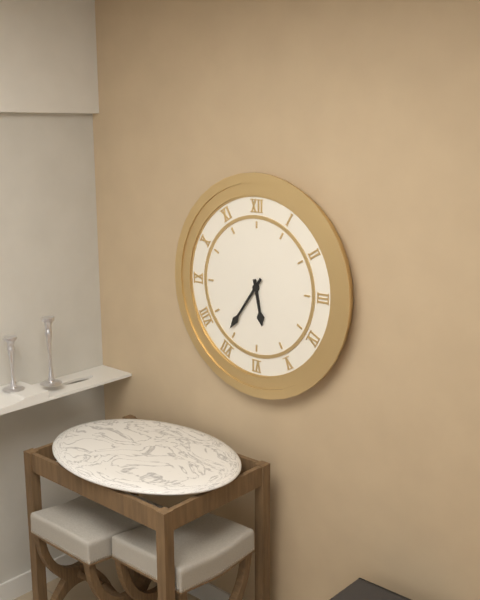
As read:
{"hour": 5, "minute": 36}
